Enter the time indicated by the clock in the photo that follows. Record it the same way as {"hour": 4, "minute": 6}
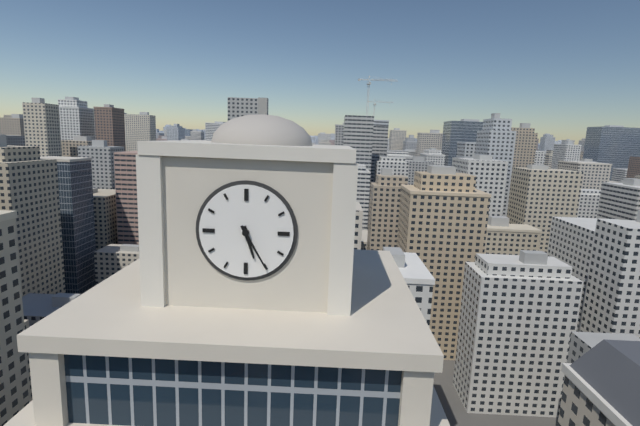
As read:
{"hour": 5, "minute": 25}
